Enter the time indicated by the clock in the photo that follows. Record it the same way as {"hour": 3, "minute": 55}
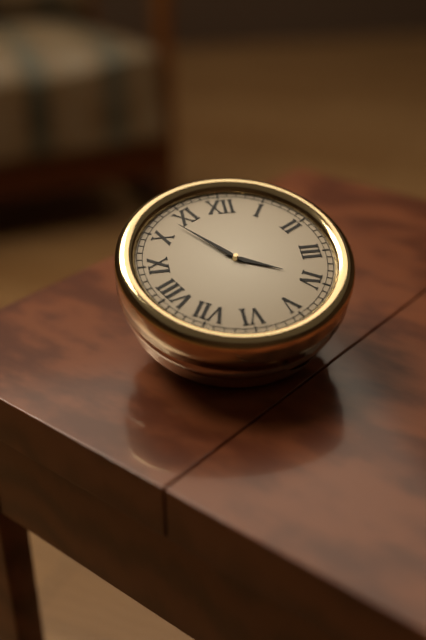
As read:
{"hour": 3, "minute": 53}
